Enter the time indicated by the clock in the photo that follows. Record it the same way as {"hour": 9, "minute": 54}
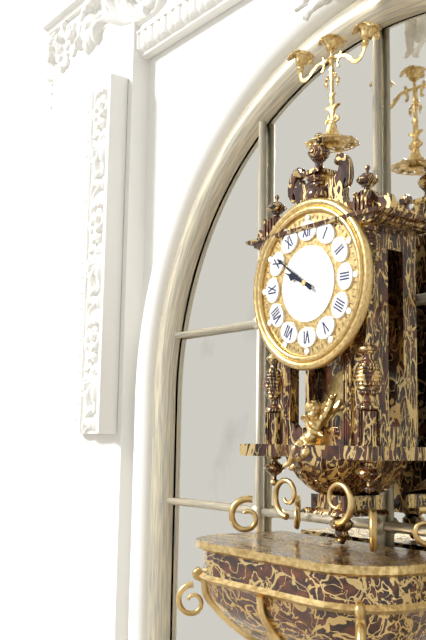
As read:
{"hour": 9, "minute": 51}
